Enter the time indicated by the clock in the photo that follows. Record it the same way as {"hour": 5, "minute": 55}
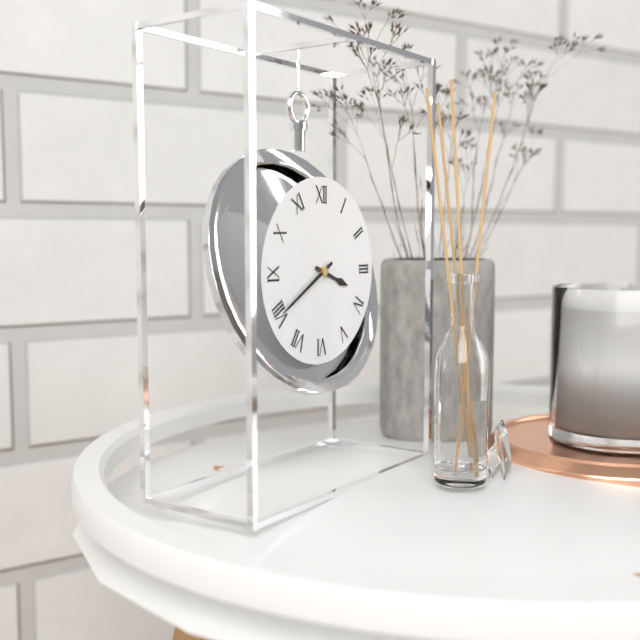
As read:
{"hour": 3, "minute": 40}
